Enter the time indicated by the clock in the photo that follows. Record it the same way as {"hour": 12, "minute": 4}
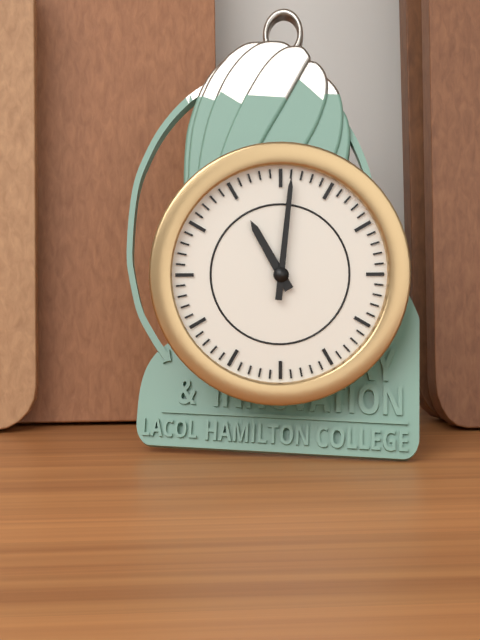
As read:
{"hour": 11, "minute": 1}
